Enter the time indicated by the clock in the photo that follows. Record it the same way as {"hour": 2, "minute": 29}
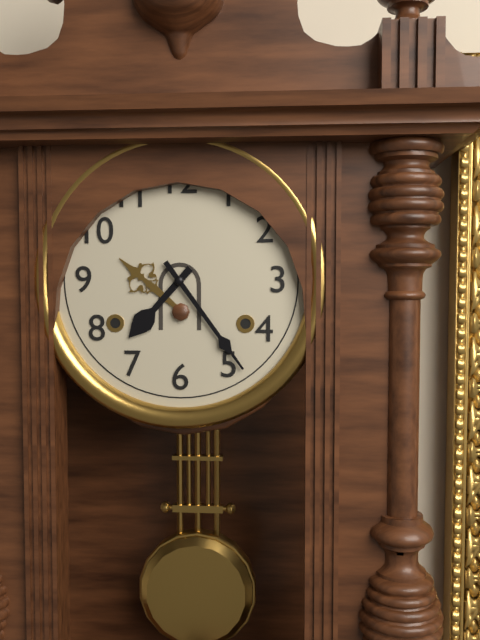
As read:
{"hour": 7, "minute": 24}
